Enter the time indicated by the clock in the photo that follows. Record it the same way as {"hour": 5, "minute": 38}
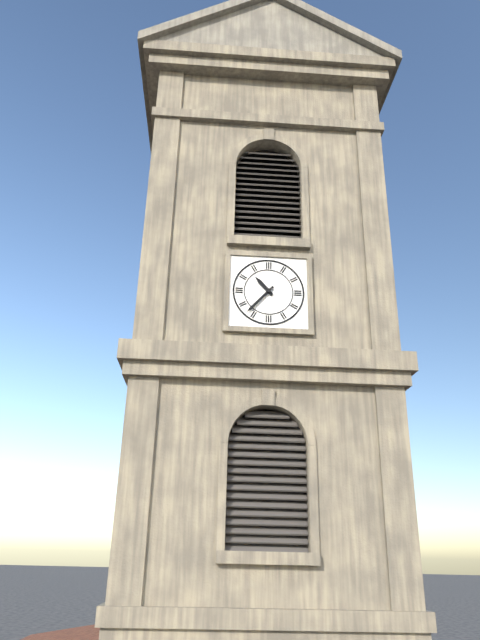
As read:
{"hour": 10, "minute": 37}
